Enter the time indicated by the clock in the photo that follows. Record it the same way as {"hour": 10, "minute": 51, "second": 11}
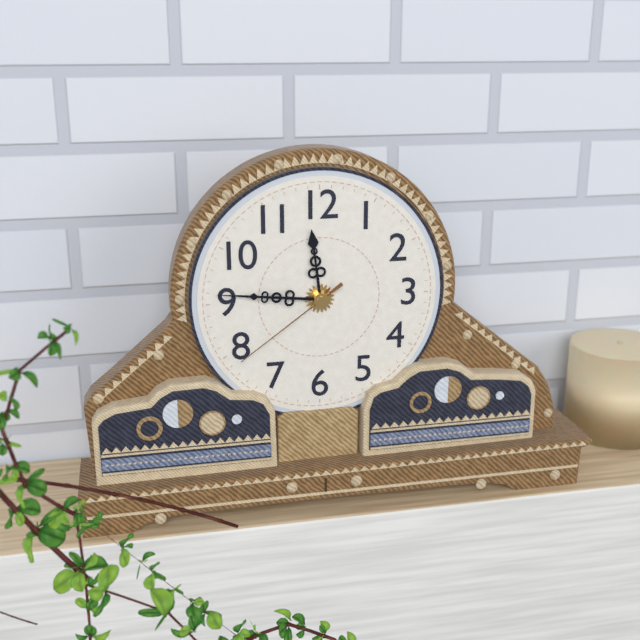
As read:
{"hour": 11, "minute": 46, "second": 39}
